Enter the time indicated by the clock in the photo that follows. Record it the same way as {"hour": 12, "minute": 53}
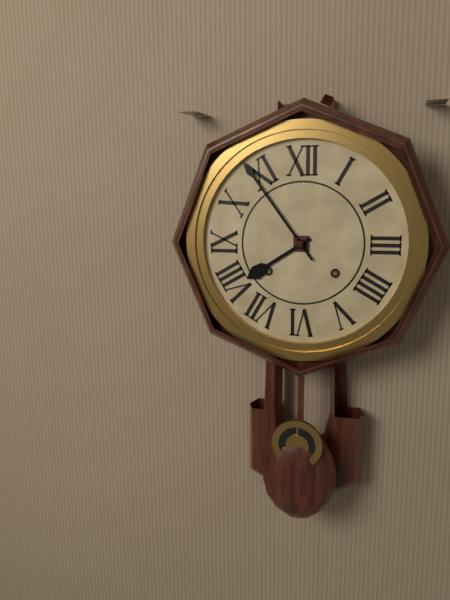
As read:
{"hour": 7, "minute": 54}
